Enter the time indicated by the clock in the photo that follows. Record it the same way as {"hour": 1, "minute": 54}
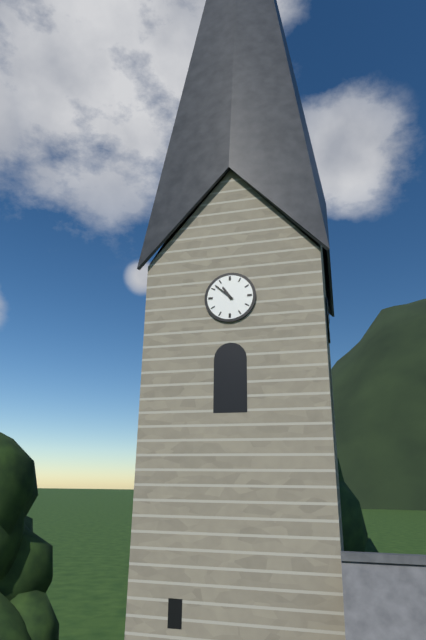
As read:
{"hour": 10, "minute": 52}
